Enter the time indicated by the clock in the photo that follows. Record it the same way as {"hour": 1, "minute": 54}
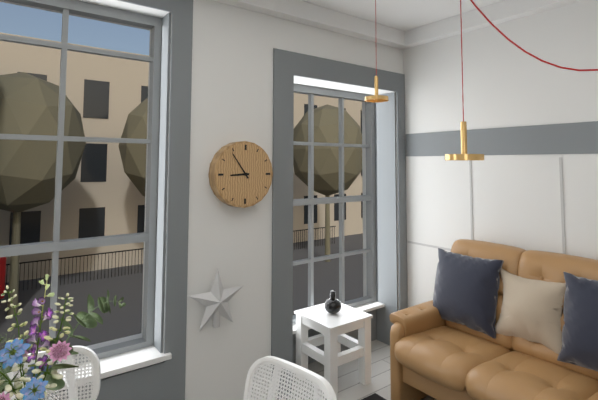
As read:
{"hour": 8, "minute": 54}
